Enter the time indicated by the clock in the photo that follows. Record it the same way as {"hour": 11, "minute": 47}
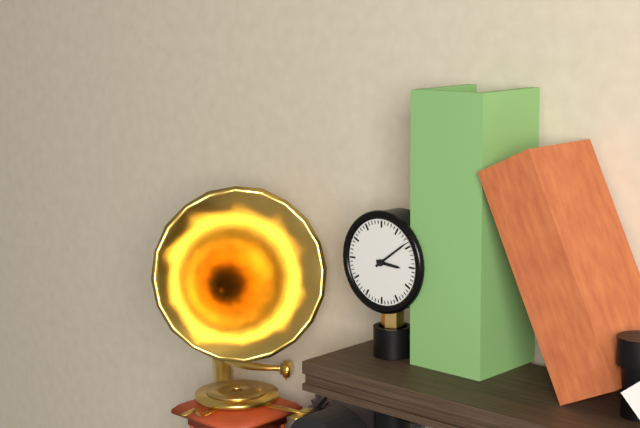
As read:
{"hour": 3, "minute": 9}
